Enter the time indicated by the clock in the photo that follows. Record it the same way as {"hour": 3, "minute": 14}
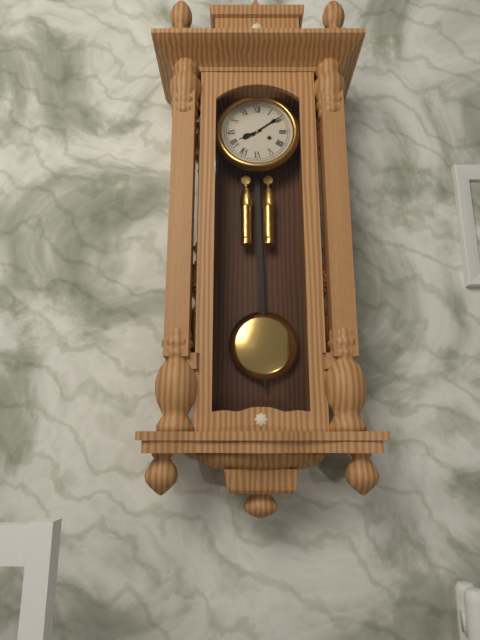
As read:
{"hour": 8, "minute": 9}
